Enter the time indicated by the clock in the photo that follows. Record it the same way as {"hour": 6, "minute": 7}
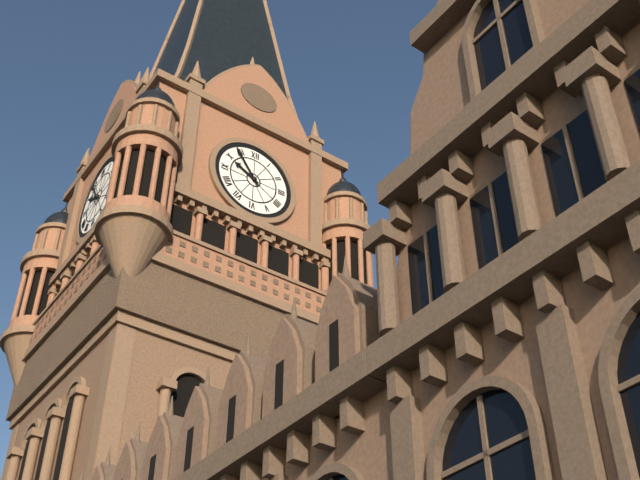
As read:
{"hour": 9, "minute": 54}
